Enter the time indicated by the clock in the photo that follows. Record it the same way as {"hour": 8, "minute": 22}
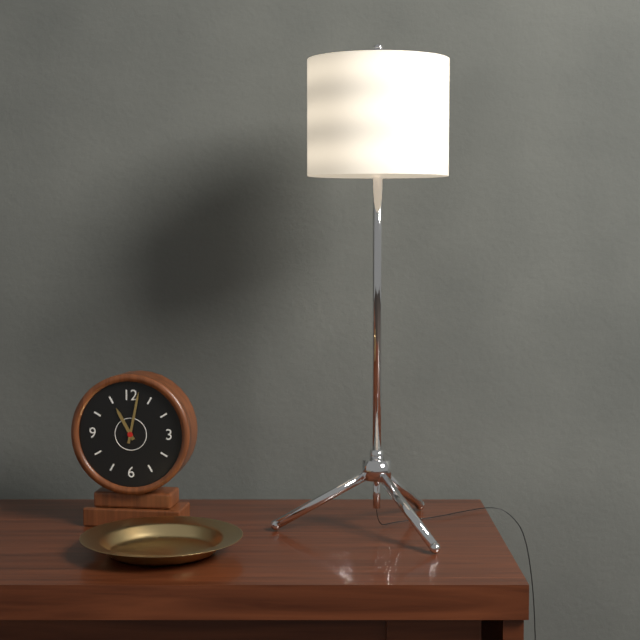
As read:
{"hour": 11, "minute": 2}
